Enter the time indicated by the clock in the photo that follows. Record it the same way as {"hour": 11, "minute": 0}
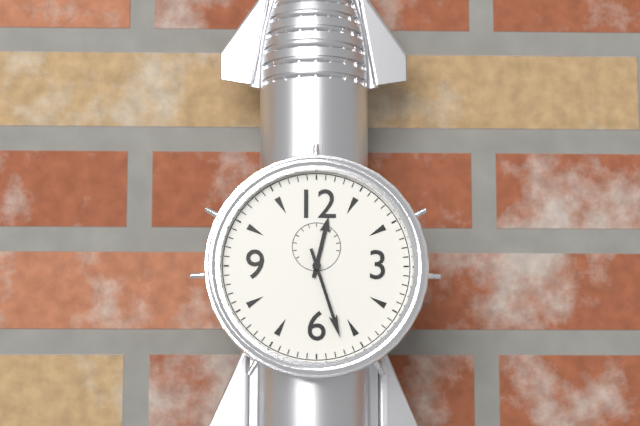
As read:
{"hour": 12, "minute": 27}
